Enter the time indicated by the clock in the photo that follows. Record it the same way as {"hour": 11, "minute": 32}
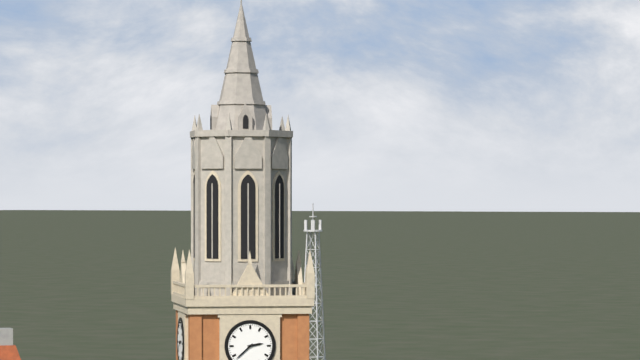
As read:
{"hour": 2, "minute": 38}
